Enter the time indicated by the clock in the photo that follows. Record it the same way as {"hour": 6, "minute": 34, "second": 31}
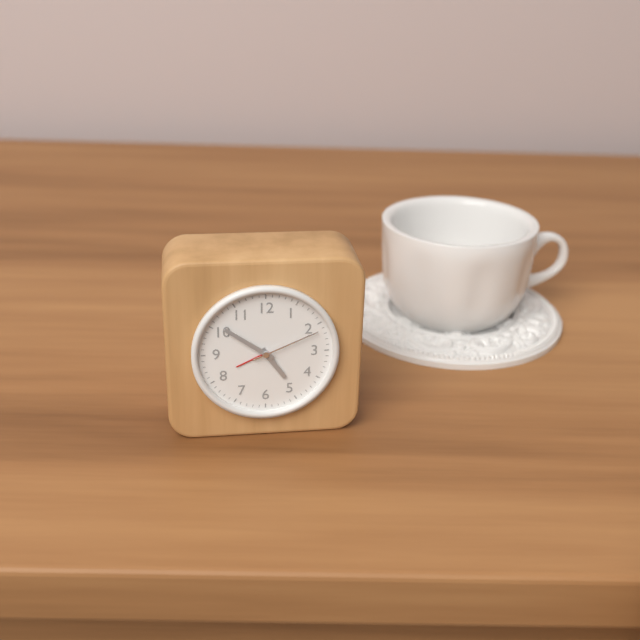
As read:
{"hour": 4, "minute": 51, "second": 11}
